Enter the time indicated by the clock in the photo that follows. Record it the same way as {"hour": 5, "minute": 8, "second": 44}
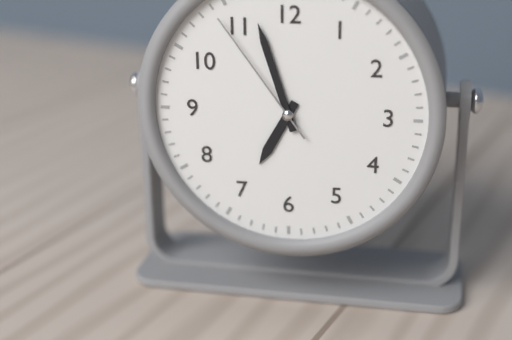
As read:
{"hour": 6, "minute": 57, "second": 54}
